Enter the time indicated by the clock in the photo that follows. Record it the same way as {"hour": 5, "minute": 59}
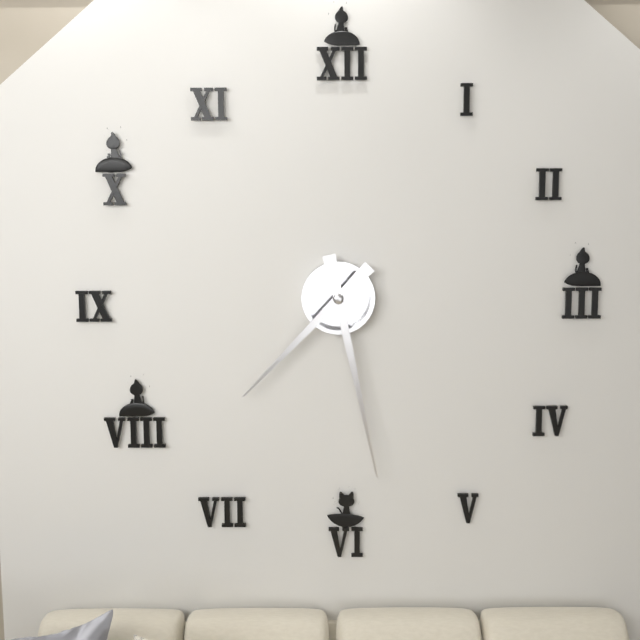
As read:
{"hour": 7, "minute": 28}
